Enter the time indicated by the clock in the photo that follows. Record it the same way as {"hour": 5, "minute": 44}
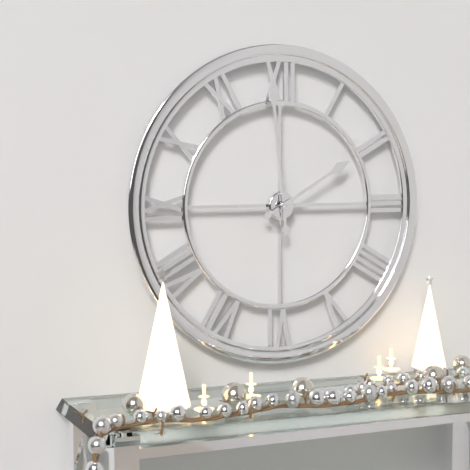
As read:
{"hour": 1, "minute": 59}
